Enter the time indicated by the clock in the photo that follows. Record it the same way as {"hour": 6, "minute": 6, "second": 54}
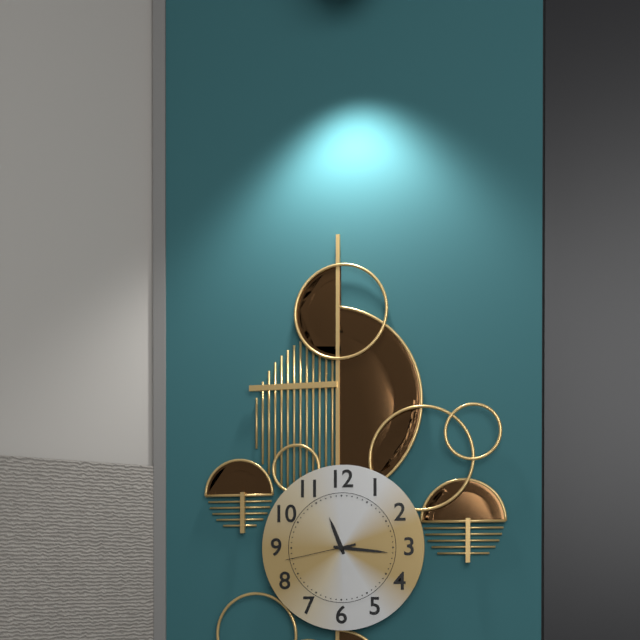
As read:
{"hour": 11, "minute": 16, "second": 43}
